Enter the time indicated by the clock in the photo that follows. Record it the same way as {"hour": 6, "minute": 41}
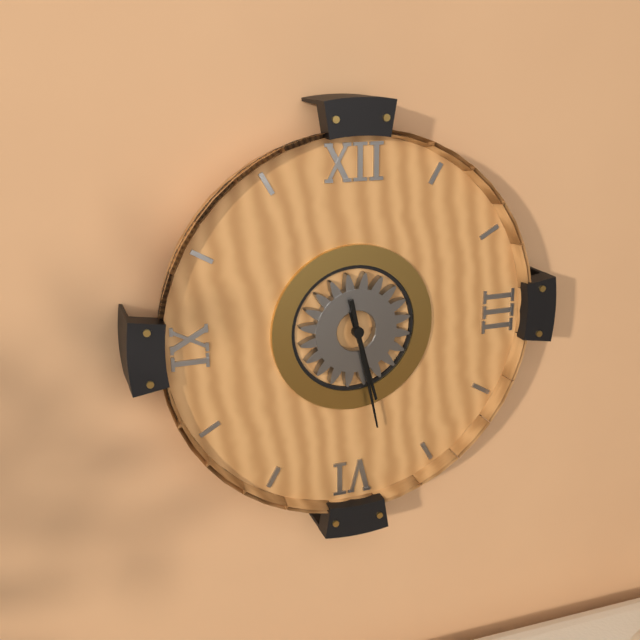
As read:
{"hour": 5, "minute": 28}
